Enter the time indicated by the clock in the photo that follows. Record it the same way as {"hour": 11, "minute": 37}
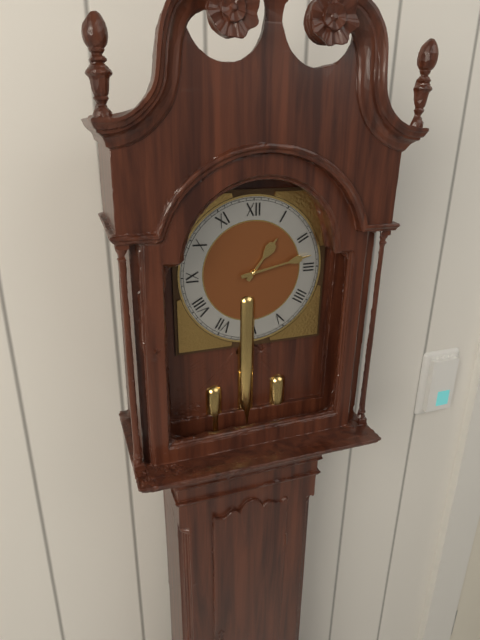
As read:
{"hour": 1, "minute": 13}
